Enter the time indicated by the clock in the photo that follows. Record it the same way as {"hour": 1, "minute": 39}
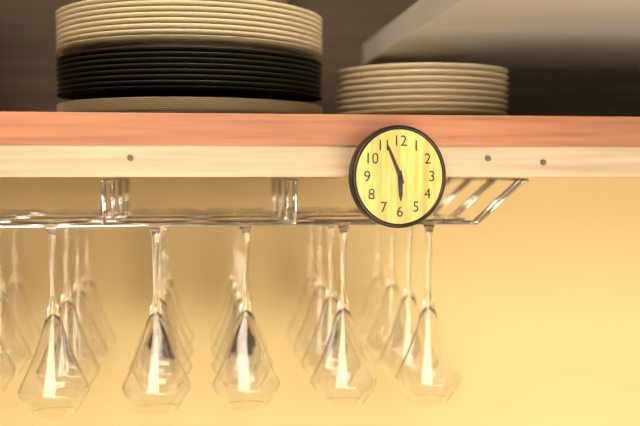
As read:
{"hour": 5, "minute": 56}
